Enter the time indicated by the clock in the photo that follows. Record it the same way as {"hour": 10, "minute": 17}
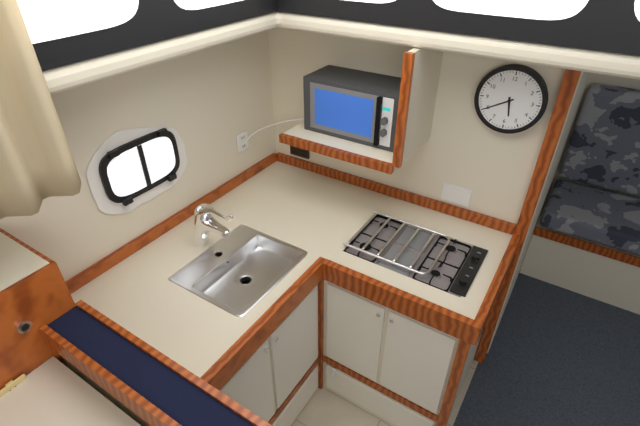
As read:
{"hour": 5, "minute": 40}
